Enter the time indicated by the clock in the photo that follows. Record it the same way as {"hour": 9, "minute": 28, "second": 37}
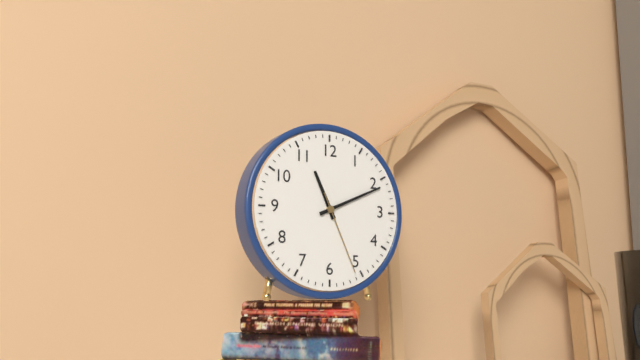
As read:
{"hour": 11, "minute": 11, "second": 26}
